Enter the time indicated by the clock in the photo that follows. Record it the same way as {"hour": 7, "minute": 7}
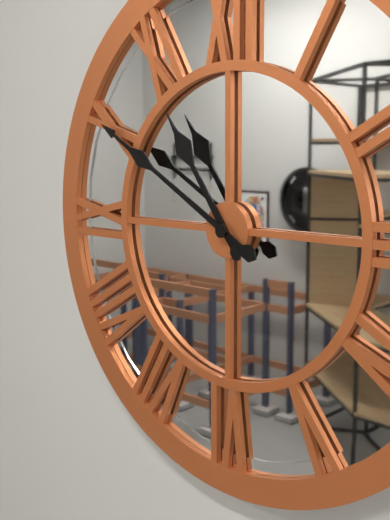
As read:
{"hour": 10, "minute": 50}
